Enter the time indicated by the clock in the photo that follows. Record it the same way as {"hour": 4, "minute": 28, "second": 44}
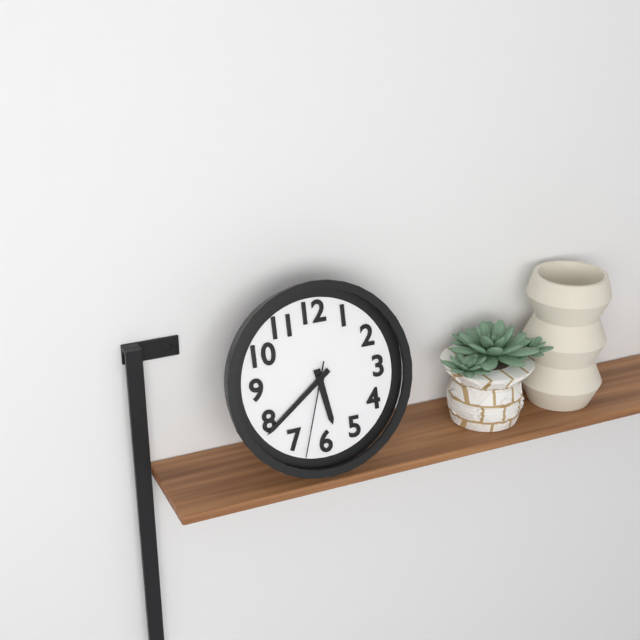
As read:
{"hour": 5, "minute": 39, "second": 33}
